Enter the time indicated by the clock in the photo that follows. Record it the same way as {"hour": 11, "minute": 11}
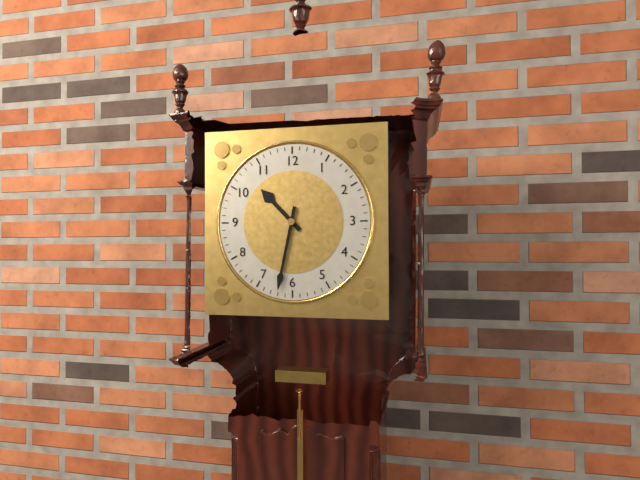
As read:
{"hour": 10, "minute": 32}
